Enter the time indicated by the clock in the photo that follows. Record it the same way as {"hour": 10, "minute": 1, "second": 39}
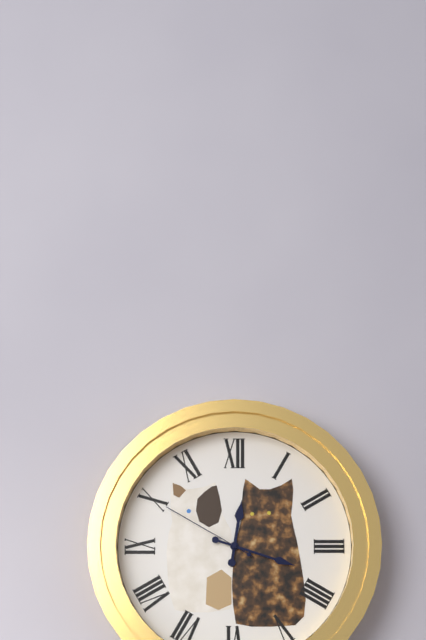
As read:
{"hour": 12, "minute": 18, "second": 50}
